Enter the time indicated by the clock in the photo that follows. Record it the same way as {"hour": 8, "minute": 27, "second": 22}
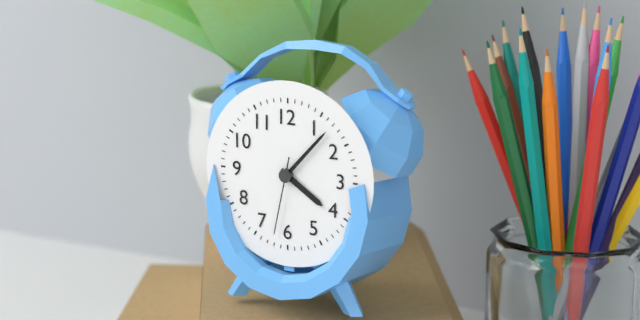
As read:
{"hour": 4, "minute": 7, "second": 32}
